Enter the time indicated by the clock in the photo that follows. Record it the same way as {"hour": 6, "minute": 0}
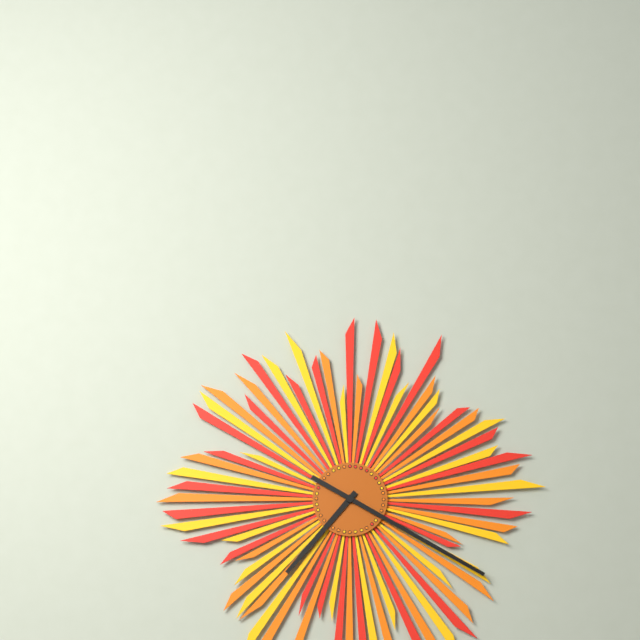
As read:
{"hour": 7, "minute": 20}
